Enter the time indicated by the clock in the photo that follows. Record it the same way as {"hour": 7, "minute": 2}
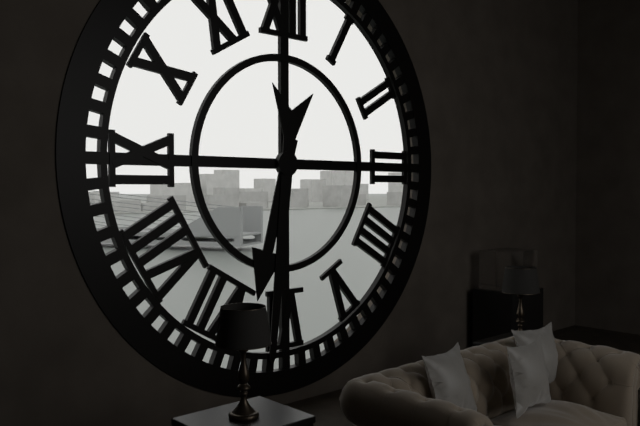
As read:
{"hour": 6, "minute": 31}
